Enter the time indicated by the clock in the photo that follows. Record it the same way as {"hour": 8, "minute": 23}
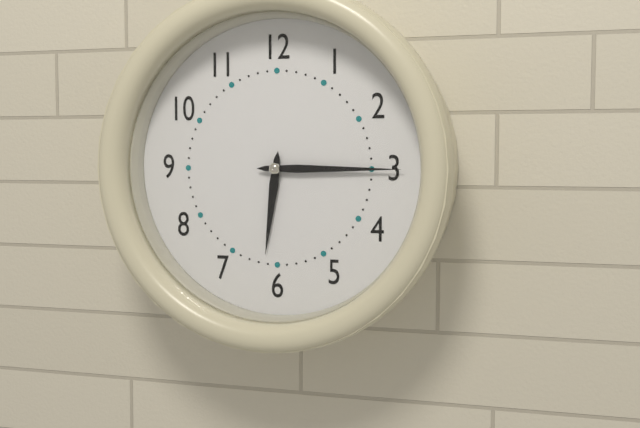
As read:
{"hour": 6, "minute": 15}
